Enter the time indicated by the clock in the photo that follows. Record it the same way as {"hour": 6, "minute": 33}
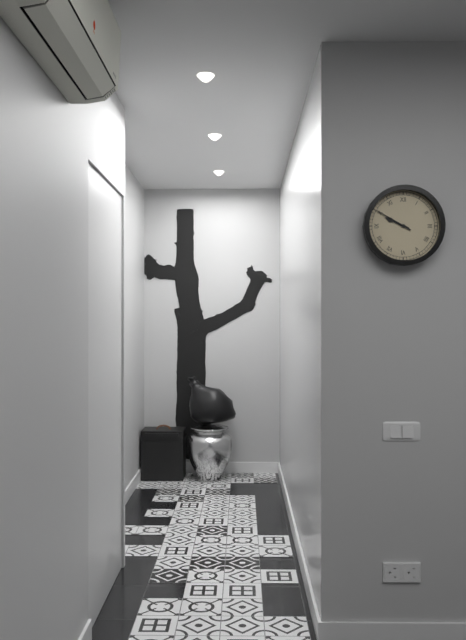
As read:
{"hour": 9, "minute": 50}
